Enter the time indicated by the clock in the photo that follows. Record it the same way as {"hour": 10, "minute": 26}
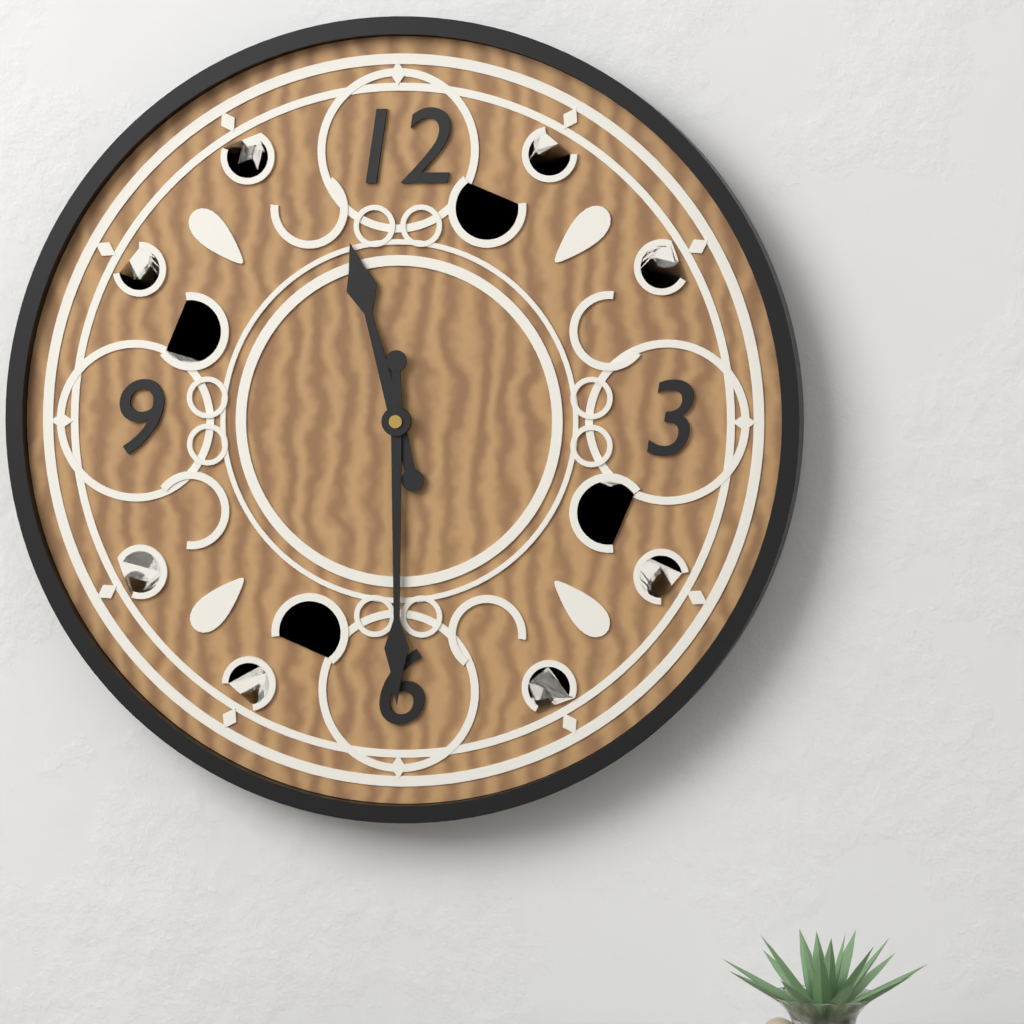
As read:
{"hour": 11, "minute": 30}
